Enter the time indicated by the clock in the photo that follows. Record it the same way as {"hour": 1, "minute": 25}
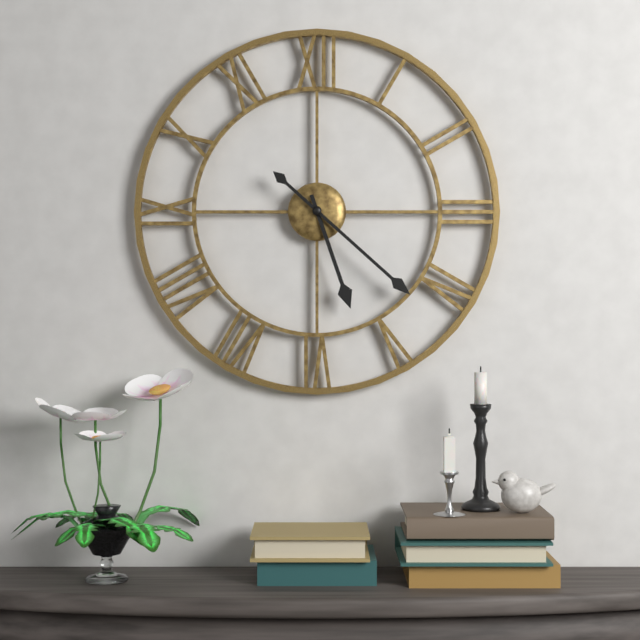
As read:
{"hour": 5, "minute": 22}
